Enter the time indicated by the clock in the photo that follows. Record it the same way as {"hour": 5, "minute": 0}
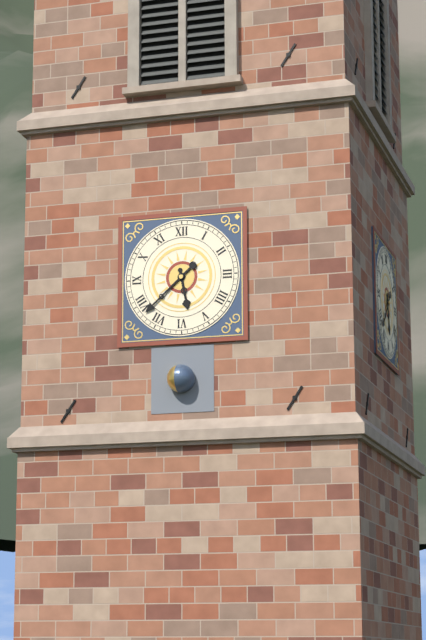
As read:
{"hour": 5, "minute": 38}
